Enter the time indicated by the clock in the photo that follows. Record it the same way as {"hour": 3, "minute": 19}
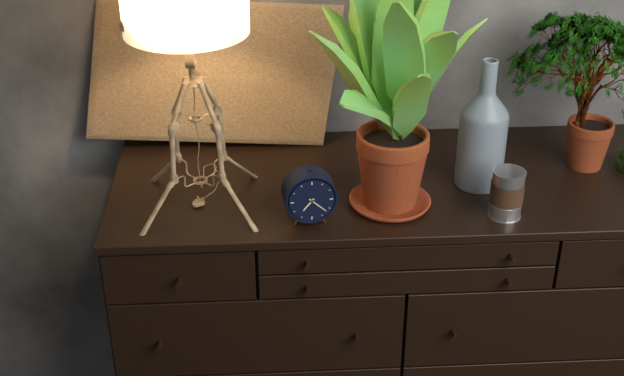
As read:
{"hour": 7, "minute": 22}
